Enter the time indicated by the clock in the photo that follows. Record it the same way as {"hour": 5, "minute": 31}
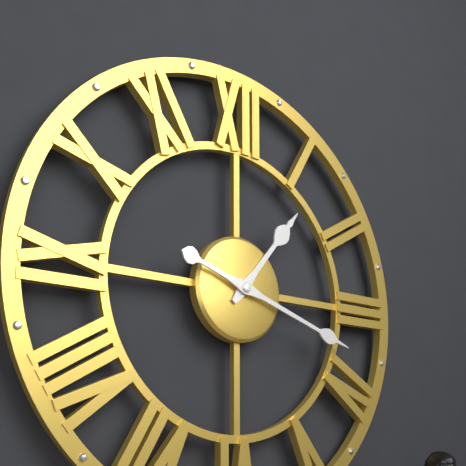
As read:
{"hour": 1, "minute": 18}
